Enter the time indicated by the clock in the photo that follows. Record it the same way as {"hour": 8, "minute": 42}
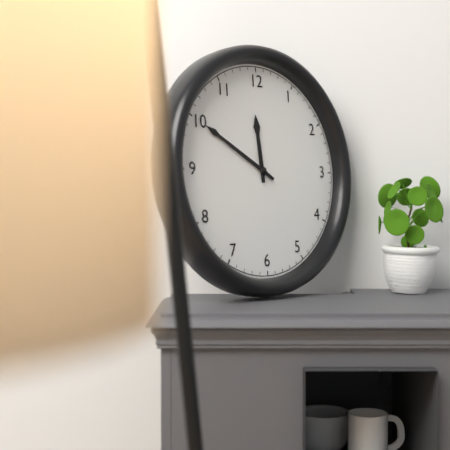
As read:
{"hour": 11, "minute": 50}
